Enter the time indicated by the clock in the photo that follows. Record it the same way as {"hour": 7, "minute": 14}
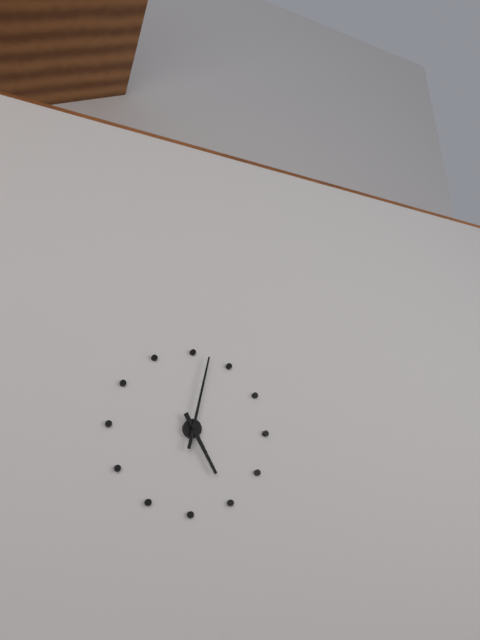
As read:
{"hour": 5, "minute": 2}
